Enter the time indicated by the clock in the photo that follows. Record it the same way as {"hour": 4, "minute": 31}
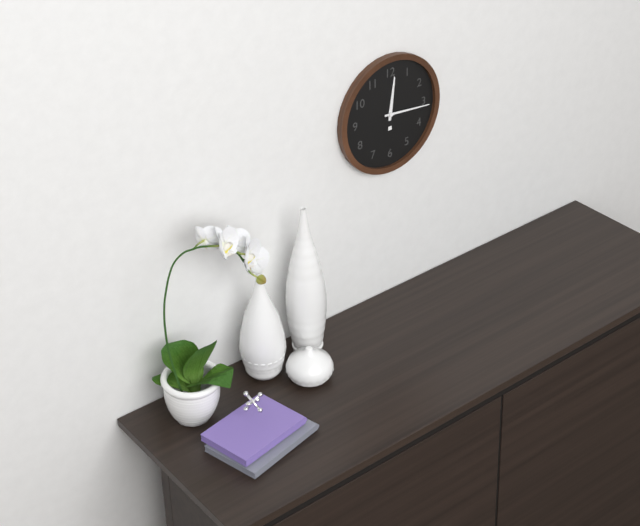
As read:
{"hour": 12, "minute": 16}
